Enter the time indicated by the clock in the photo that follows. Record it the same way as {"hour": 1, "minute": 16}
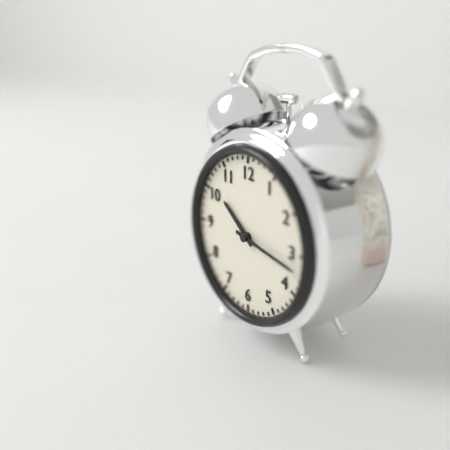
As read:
{"hour": 10, "minute": 17}
